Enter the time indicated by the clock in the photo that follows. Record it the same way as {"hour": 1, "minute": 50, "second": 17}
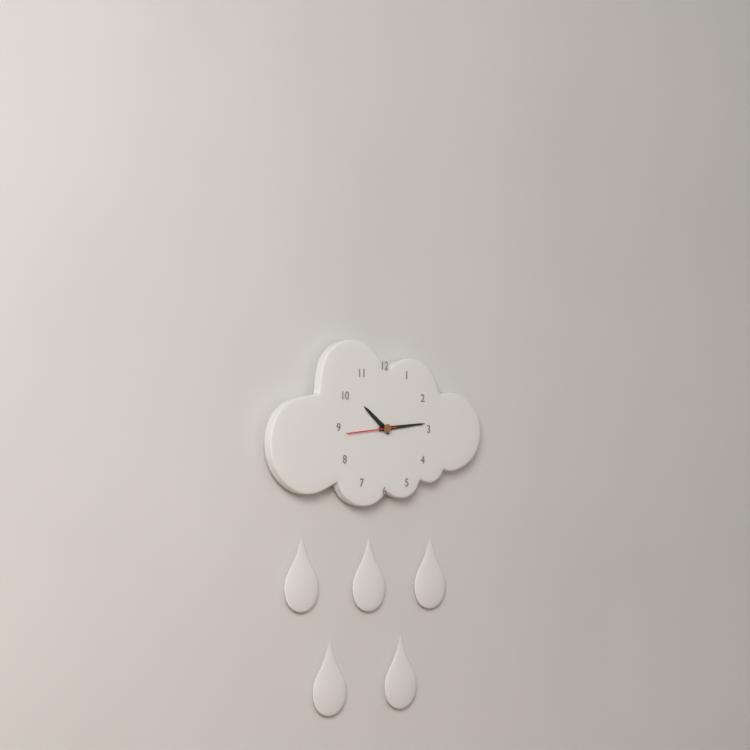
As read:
{"hour": 10, "minute": 14, "second": 44}
